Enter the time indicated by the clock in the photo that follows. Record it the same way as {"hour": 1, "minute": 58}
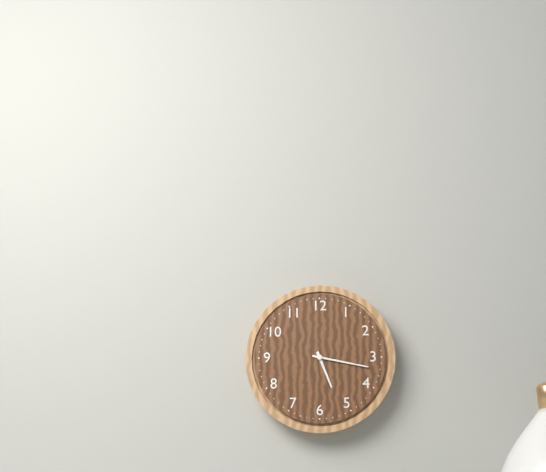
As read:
{"hour": 5, "minute": 17}
